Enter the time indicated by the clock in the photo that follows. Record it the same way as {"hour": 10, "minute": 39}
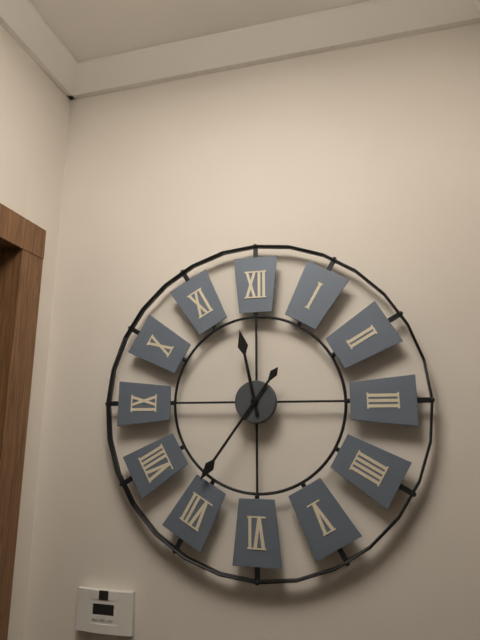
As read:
{"hour": 11, "minute": 36}
